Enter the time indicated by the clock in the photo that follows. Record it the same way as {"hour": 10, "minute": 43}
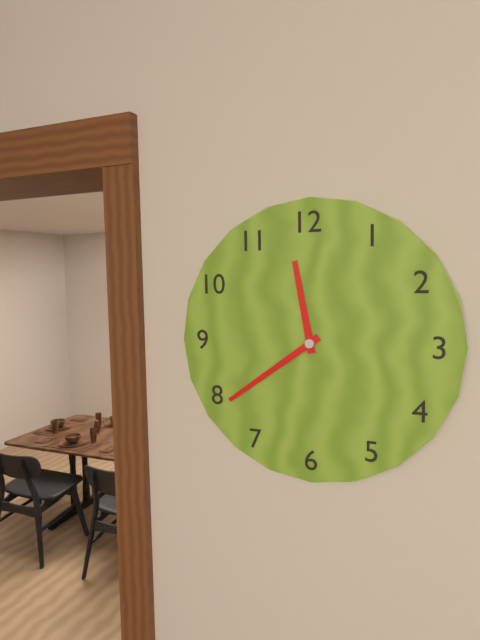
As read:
{"hour": 11, "minute": 39}
